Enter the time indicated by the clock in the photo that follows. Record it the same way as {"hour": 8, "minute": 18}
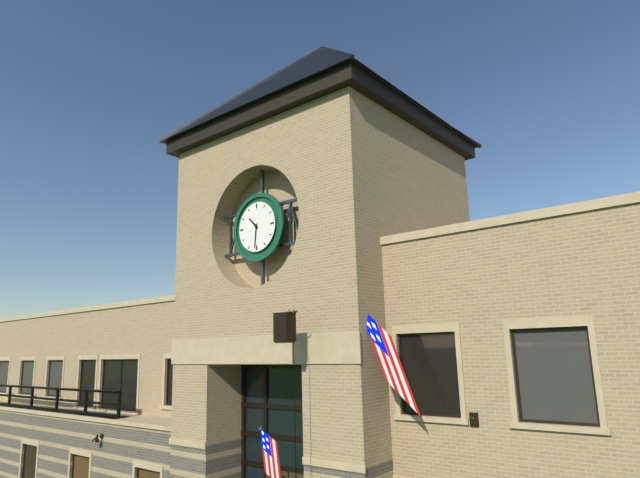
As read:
{"hour": 10, "minute": 31}
